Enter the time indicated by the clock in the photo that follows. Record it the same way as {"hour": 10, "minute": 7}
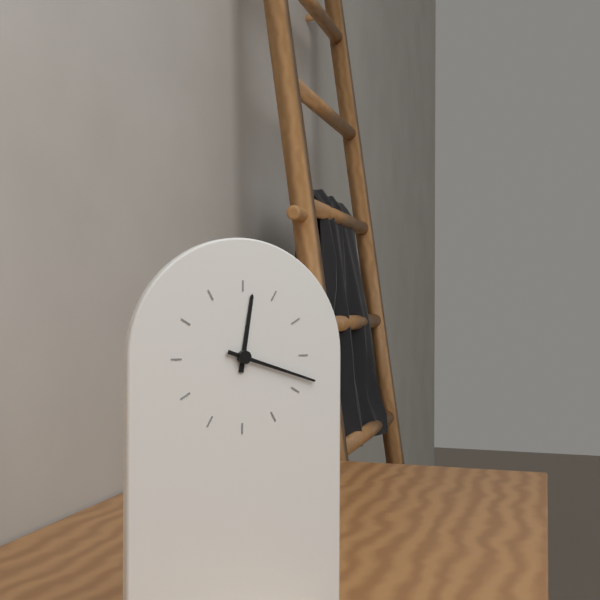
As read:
{"hour": 12, "minute": 18}
